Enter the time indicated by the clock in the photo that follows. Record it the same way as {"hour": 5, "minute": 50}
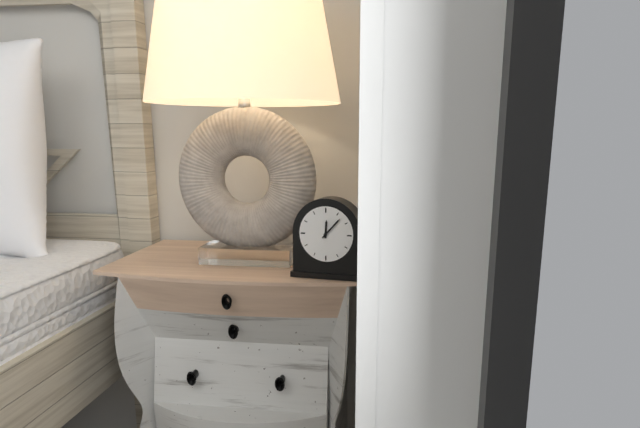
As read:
{"hour": 12, "minute": 7}
